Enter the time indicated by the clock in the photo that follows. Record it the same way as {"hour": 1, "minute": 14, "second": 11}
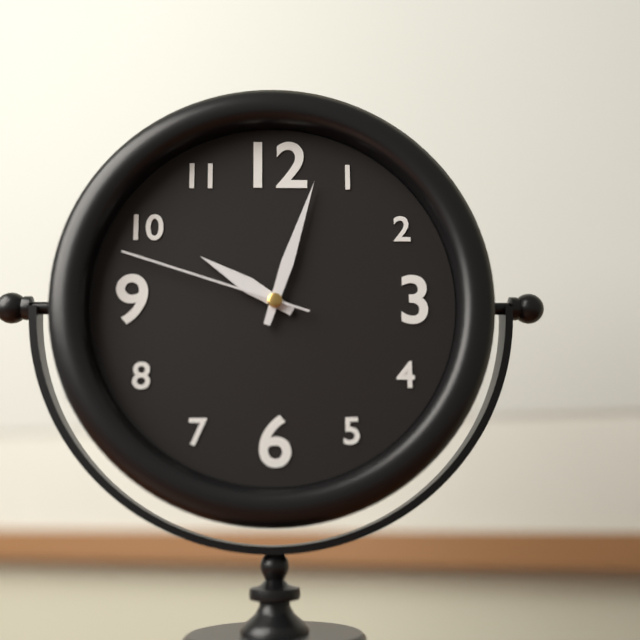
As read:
{"hour": 10, "minute": 3, "second": 48}
